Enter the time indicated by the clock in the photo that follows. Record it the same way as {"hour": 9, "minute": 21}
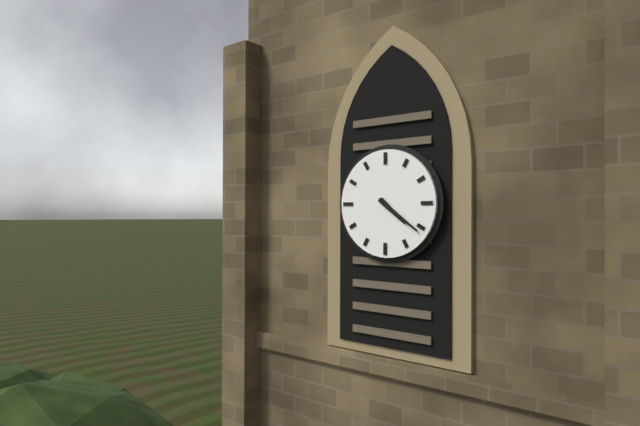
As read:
{"hour": 4, "minute": 21}
